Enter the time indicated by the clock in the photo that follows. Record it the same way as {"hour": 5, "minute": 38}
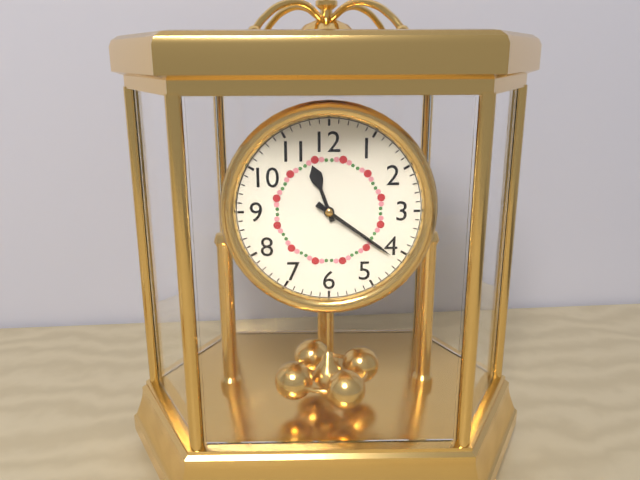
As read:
{"hour": 11, "minute": 21}
